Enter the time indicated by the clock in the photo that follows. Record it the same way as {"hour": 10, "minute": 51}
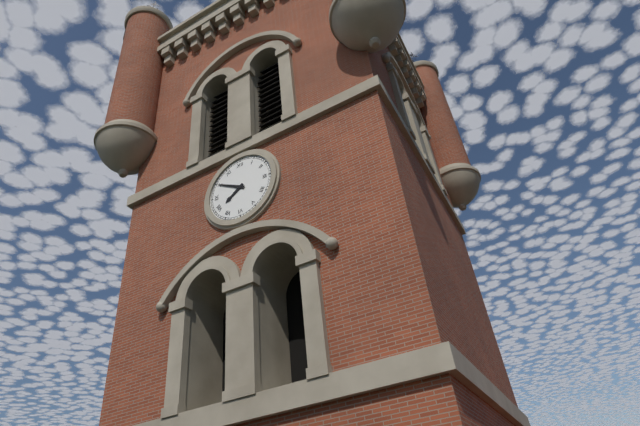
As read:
{"hour": 7, "minute": 50}
